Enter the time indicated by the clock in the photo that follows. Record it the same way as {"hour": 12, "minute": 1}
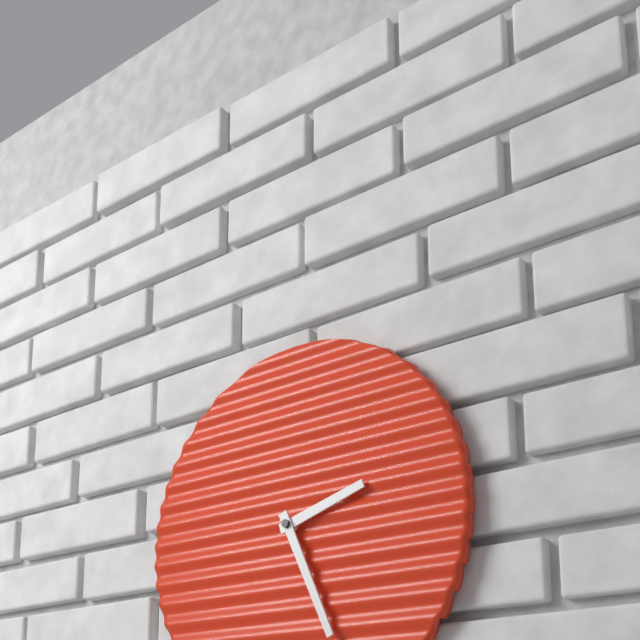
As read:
{"hour": 2, "minute": 26}
